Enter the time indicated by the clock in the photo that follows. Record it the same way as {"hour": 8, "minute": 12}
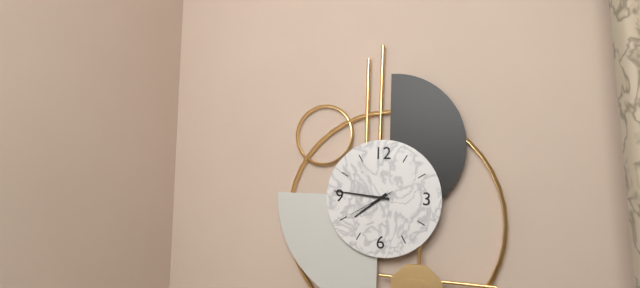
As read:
{"hour": 7, "minute": 46}
